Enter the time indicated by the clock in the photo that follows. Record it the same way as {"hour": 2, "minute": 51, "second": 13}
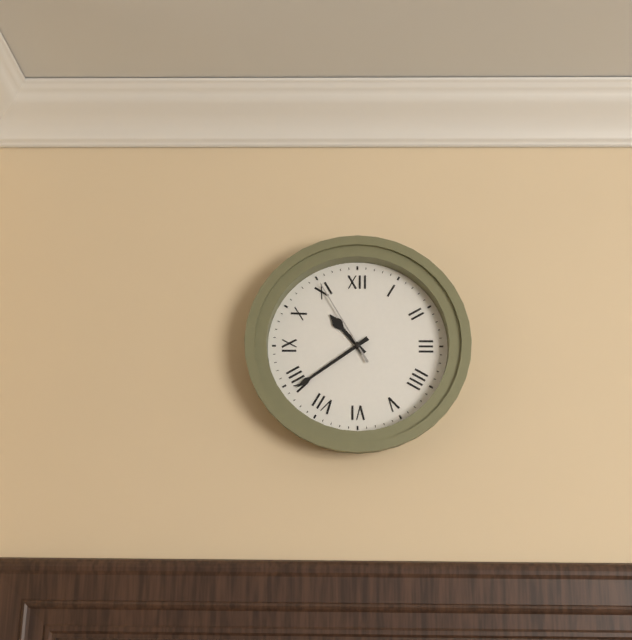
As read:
{"hour": 10, "minute": 39, "second": 55}
